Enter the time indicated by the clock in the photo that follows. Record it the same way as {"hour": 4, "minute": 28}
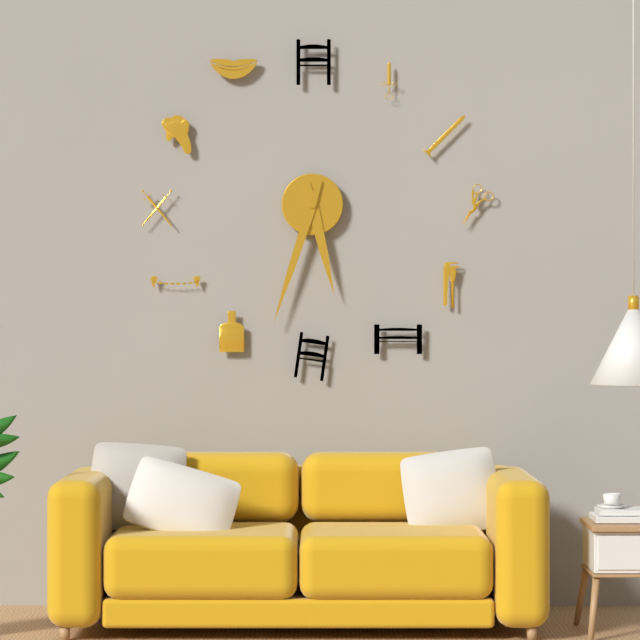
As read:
{"hour": 5, "minute": 33}
